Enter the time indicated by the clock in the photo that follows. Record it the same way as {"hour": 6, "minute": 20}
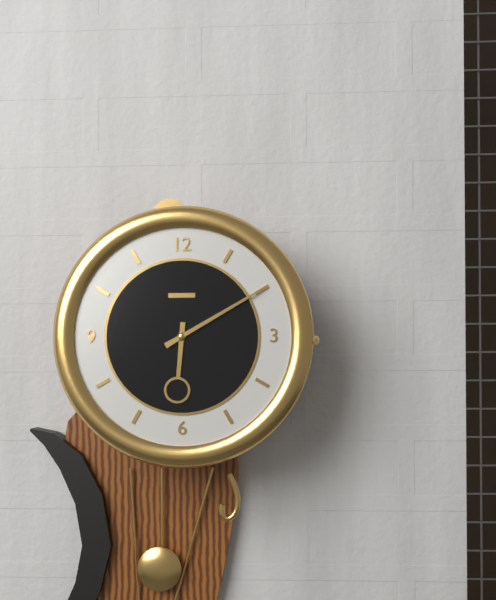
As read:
{"hour": 6, "minute": 10}
